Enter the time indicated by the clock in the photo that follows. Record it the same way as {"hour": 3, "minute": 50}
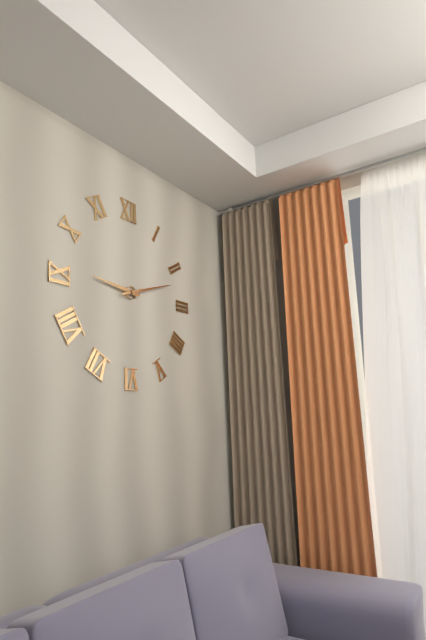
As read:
{"hour": 9, "minute": 12}
